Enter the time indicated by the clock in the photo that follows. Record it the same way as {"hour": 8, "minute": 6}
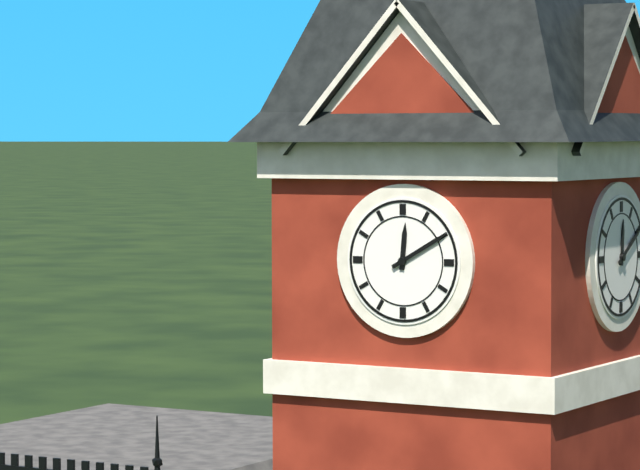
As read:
{"hour": 12, "minute": 10}
